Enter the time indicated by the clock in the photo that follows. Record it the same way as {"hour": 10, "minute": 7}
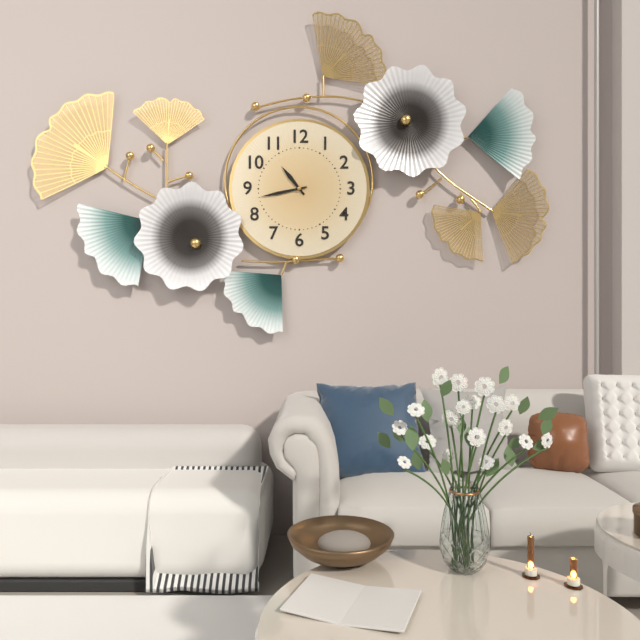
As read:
{"hour": 10, "minute": 43}
